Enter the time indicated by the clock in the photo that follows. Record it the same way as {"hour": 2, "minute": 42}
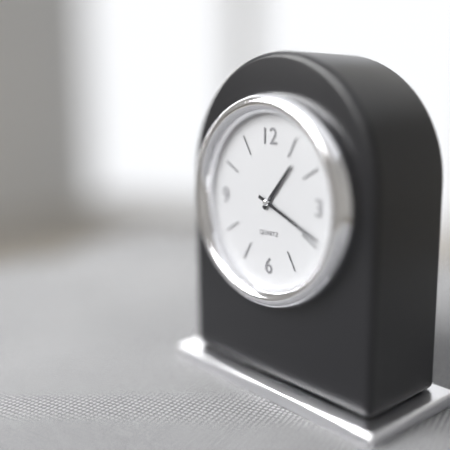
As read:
{"hour": 1, "minute": 19}
